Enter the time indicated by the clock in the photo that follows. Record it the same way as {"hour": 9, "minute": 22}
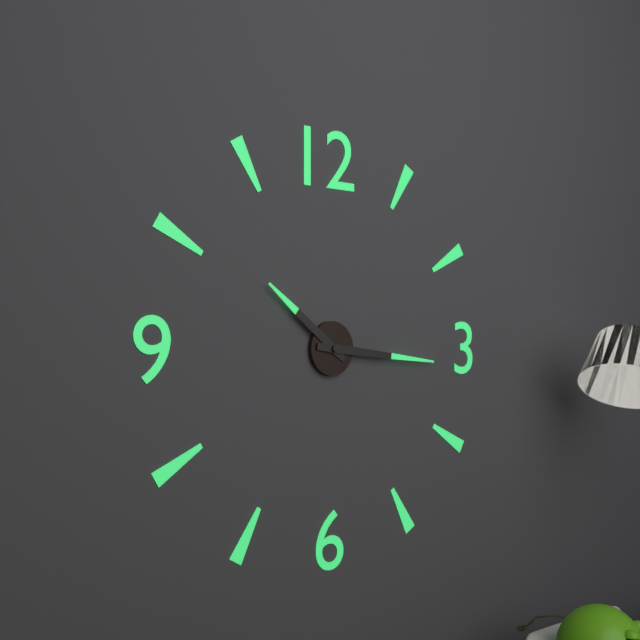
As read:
{"hour": 10, "minute": 16}
